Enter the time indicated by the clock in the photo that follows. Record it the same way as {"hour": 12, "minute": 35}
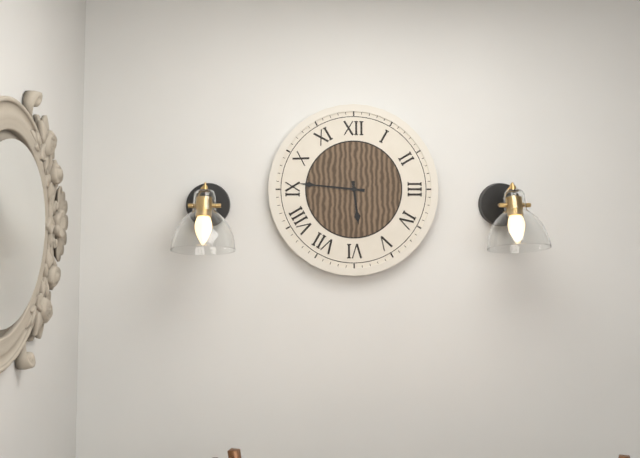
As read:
{"hour": 5, "minute": 46}
